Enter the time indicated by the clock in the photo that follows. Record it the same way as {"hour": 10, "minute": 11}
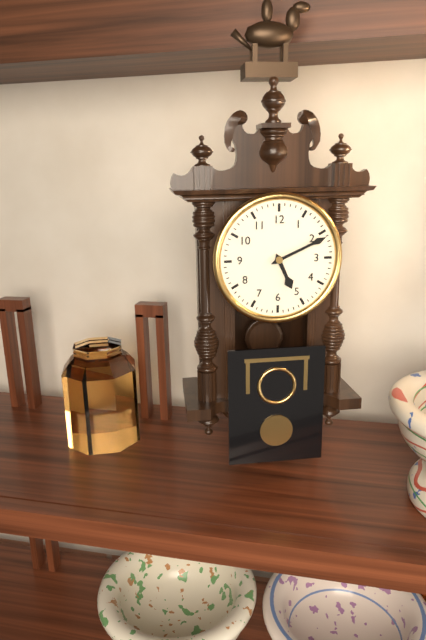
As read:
{"hour": 5, "minute": 11}
